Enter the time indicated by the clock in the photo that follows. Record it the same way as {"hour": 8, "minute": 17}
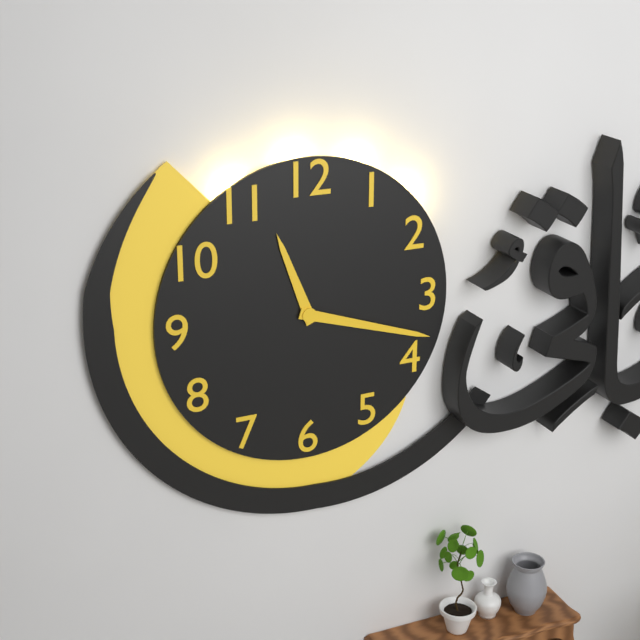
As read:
{"hour": 11, "minute": 18}
